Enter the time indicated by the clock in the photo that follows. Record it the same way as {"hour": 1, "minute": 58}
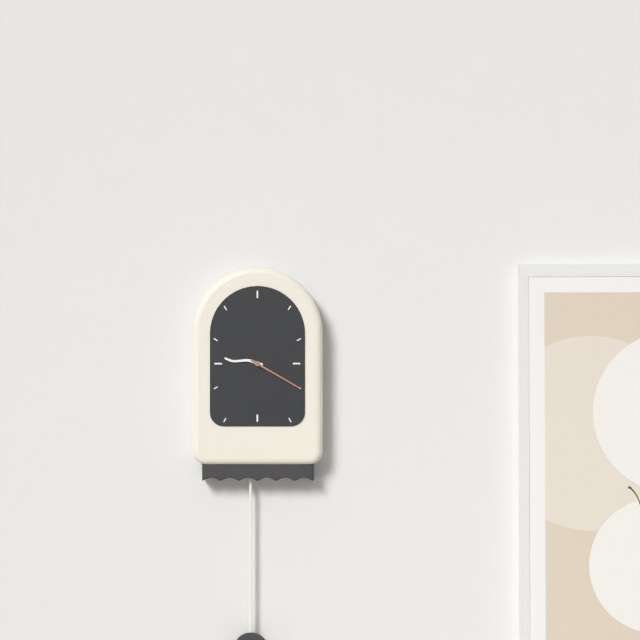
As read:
{"hour": 9, "minute": 20}
